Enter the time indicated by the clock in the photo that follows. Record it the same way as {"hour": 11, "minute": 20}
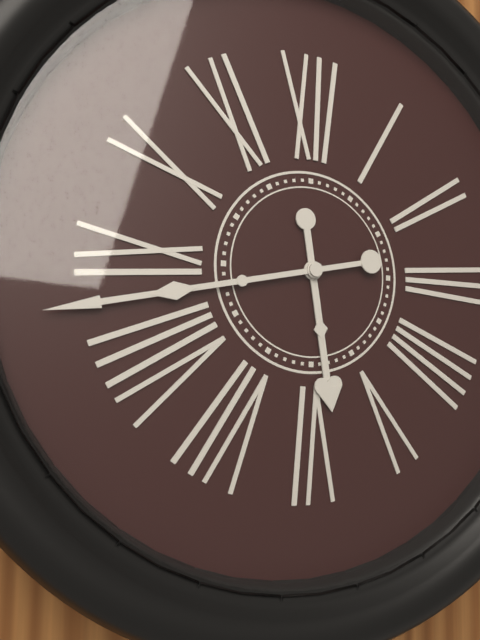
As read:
{"hour": 5, "minute": 43}
